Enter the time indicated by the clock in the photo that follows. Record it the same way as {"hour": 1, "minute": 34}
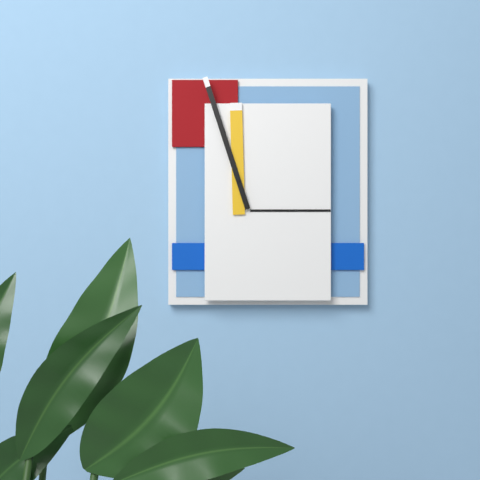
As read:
{"hour": 11, "minute": 57}
